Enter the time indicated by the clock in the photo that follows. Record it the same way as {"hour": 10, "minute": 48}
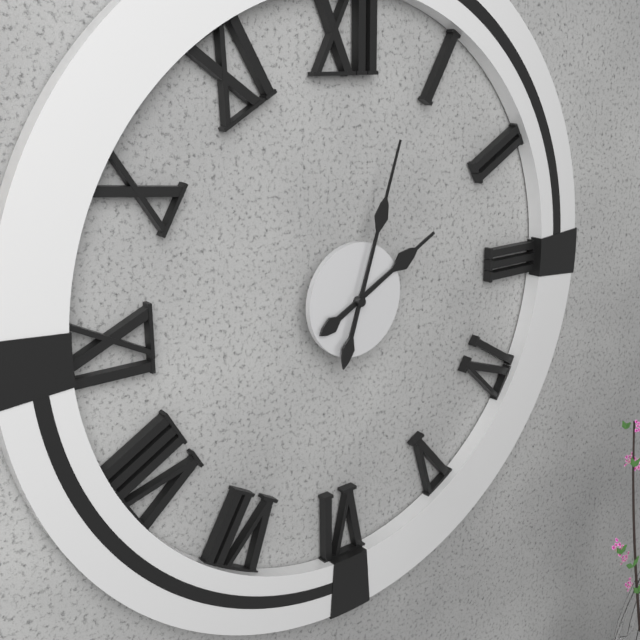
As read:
{"hour": 2, "minute": 3}
